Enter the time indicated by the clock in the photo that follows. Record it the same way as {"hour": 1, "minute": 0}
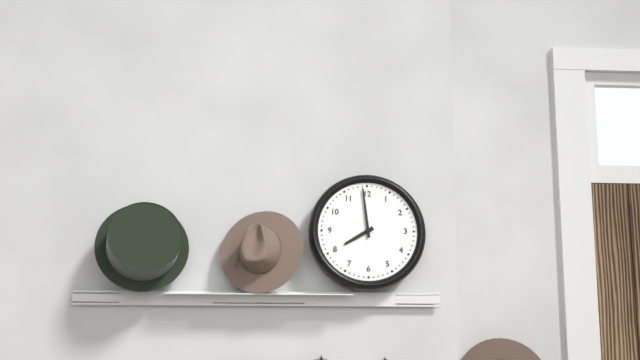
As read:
{"hour": 7, "minute": 59}
